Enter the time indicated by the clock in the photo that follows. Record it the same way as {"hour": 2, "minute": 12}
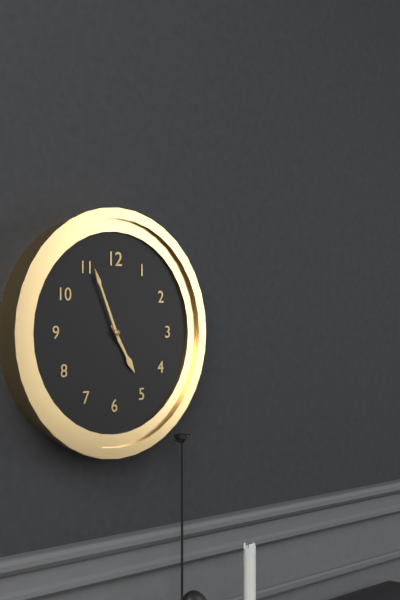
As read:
{"hour": 4, "minute": 56}
